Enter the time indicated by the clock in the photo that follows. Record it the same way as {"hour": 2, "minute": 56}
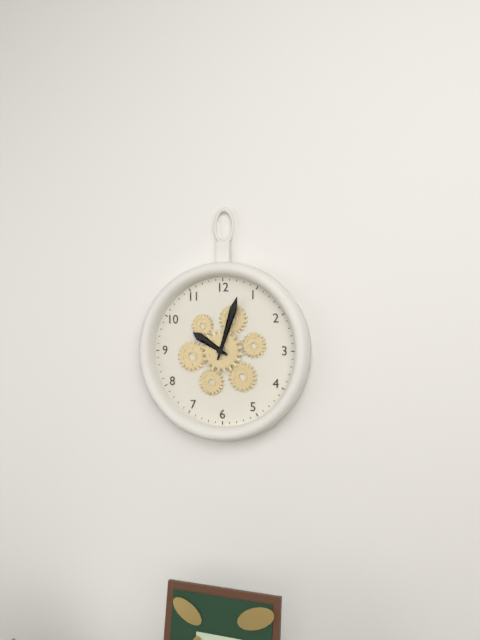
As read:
{"hour": 10, "minute": 3}
